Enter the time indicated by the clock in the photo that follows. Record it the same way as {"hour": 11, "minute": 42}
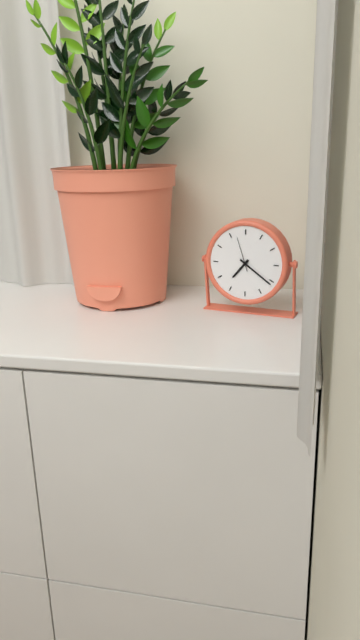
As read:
{"hour": 7, "minute": 21}
